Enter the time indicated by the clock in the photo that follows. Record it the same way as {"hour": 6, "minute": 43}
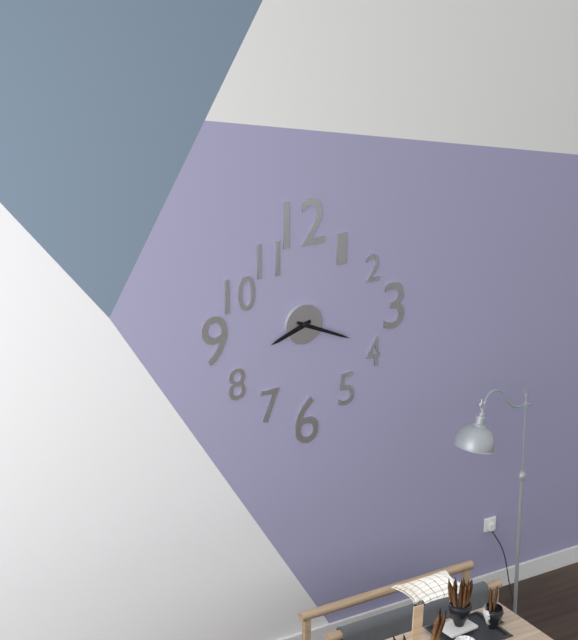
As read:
{"hour": 8, "minute": 19}
